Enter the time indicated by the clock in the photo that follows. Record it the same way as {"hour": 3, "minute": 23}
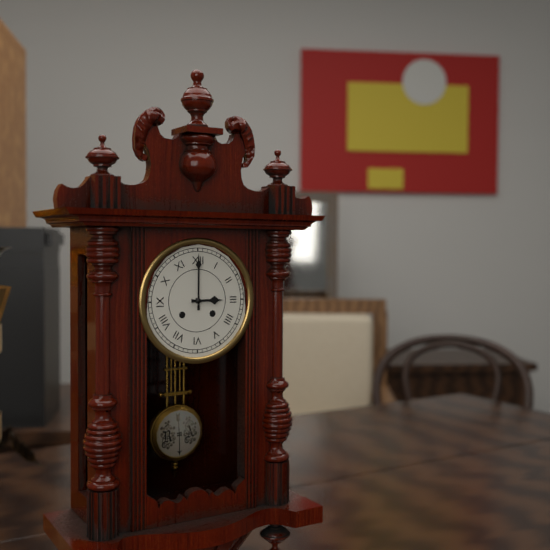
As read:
{"hour": 3, "minute": 0}
